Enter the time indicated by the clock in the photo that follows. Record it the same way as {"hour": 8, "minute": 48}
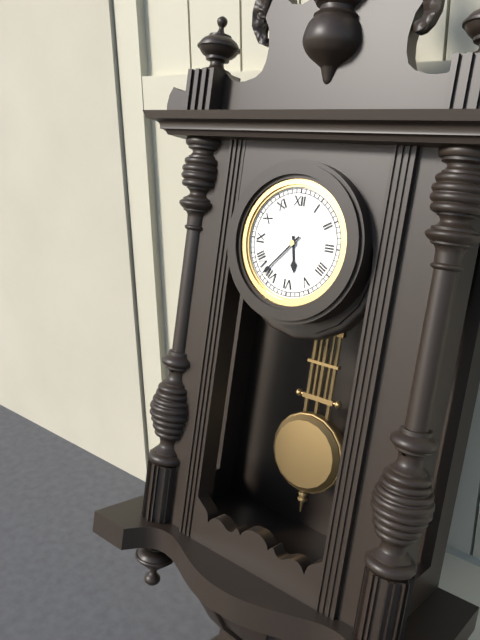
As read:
{"hour": 5, "minute": 37}
